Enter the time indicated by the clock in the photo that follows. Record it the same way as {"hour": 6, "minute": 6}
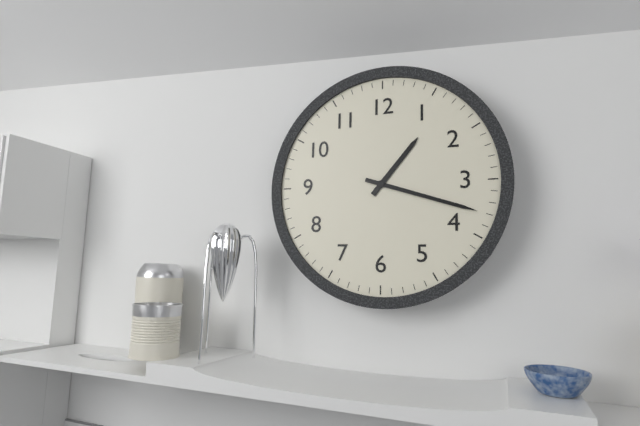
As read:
{"hour": 1, "minute": 18}
